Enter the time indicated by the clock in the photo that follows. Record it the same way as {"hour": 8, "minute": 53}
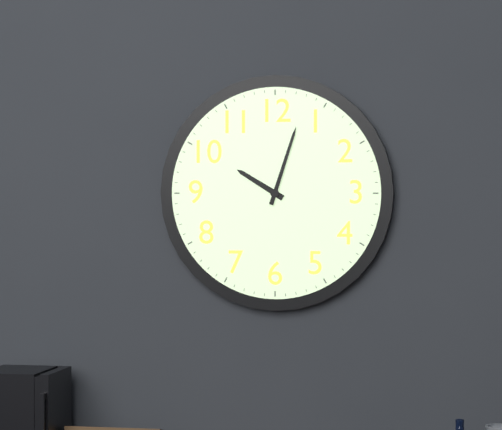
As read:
{"hour": 10, "minute": 3}
